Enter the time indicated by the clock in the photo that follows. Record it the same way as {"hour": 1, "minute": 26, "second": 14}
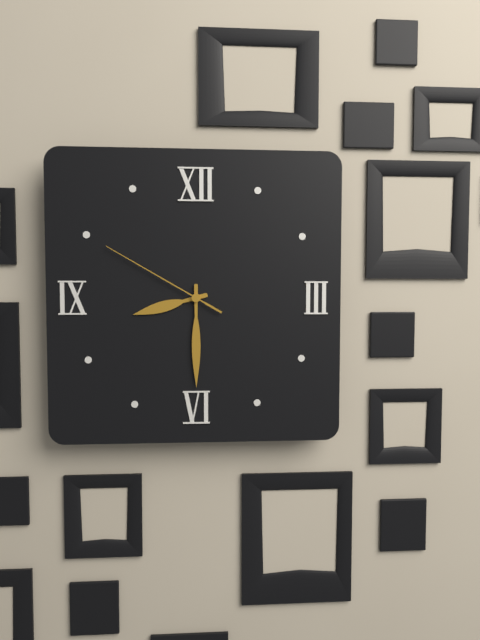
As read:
{"hour": 8, "minute": 30, "second": 50}
